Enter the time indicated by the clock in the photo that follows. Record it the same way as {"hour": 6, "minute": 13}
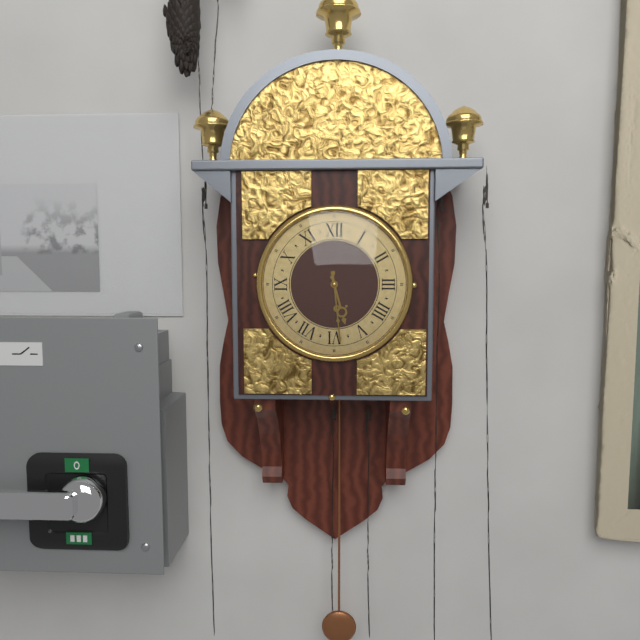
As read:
{"hour": 5, "minute": 29}
